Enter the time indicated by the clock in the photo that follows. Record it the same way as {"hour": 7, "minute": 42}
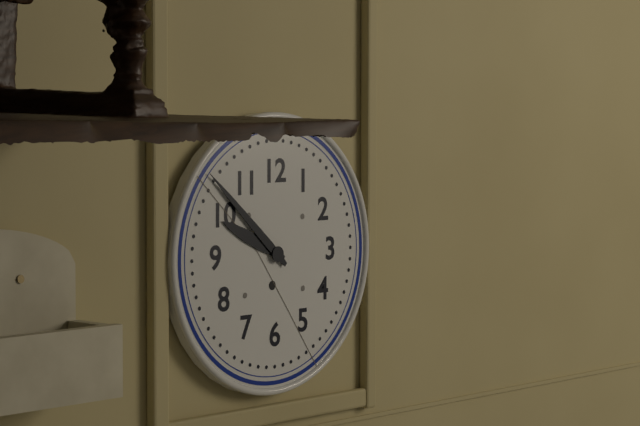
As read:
{"hour": 9, "minute": 52}
